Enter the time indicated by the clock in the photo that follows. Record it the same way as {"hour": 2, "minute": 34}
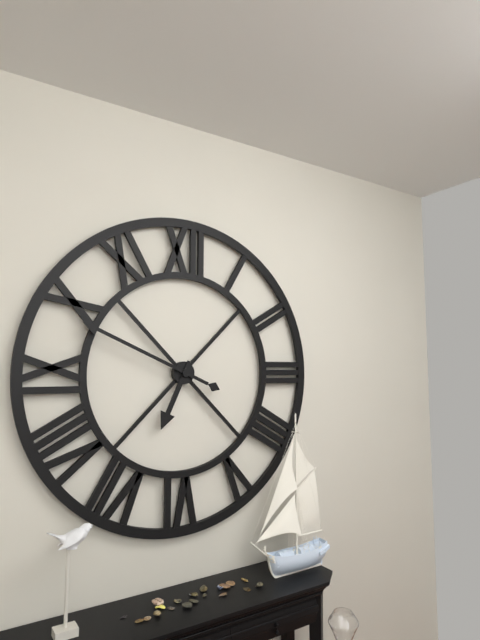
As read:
{"hour": 6, "minute": 49}
